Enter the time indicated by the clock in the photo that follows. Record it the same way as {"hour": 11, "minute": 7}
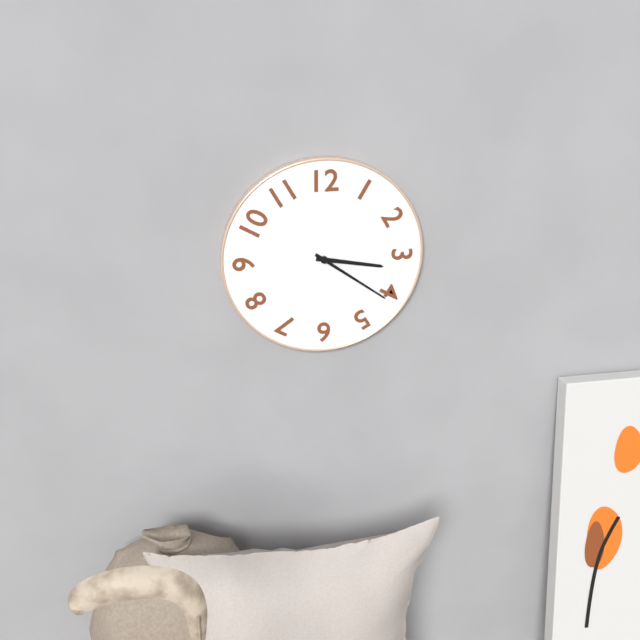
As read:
{"hour": 3, "minute": 21}
